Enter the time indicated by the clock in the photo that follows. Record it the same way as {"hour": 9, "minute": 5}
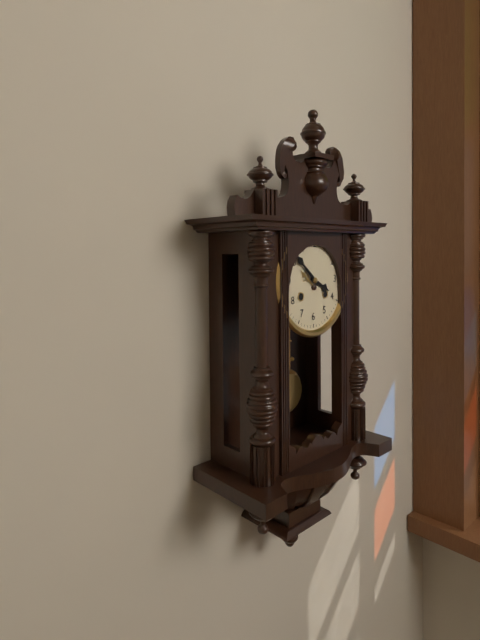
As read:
{"hour": 3, "minute": 52}
